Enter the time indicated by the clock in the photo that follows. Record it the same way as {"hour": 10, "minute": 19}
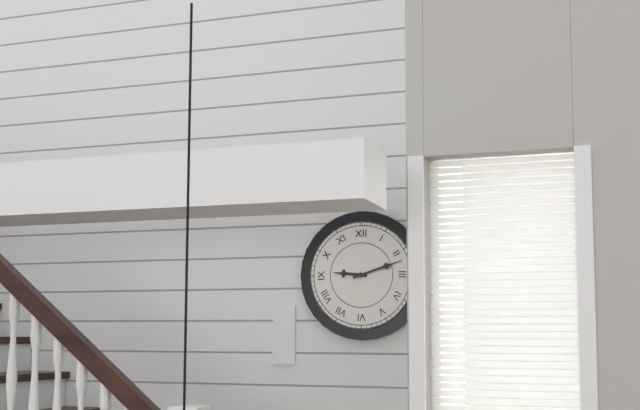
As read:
{"hour": 9, "minute": 12}
